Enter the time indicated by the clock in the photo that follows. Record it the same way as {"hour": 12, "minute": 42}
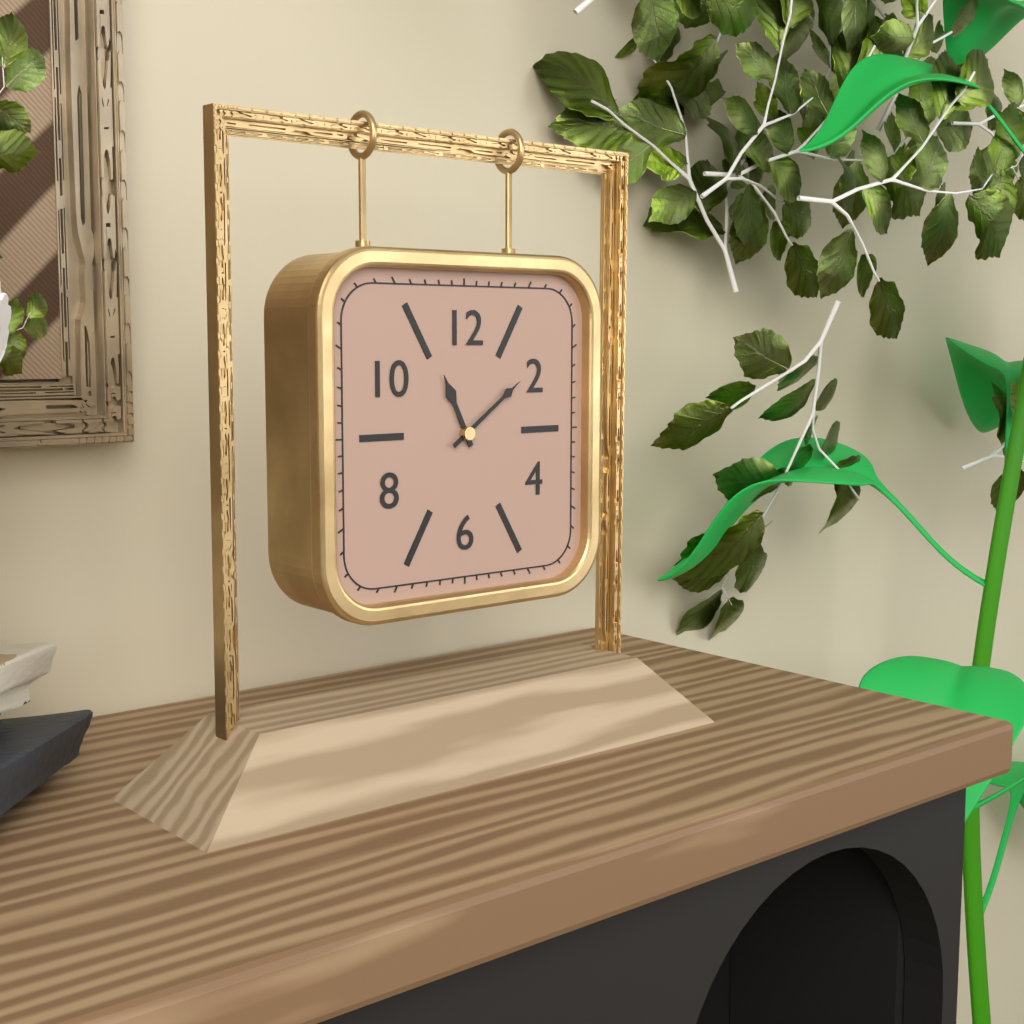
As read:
{"hour": 11, "minute": 9}
